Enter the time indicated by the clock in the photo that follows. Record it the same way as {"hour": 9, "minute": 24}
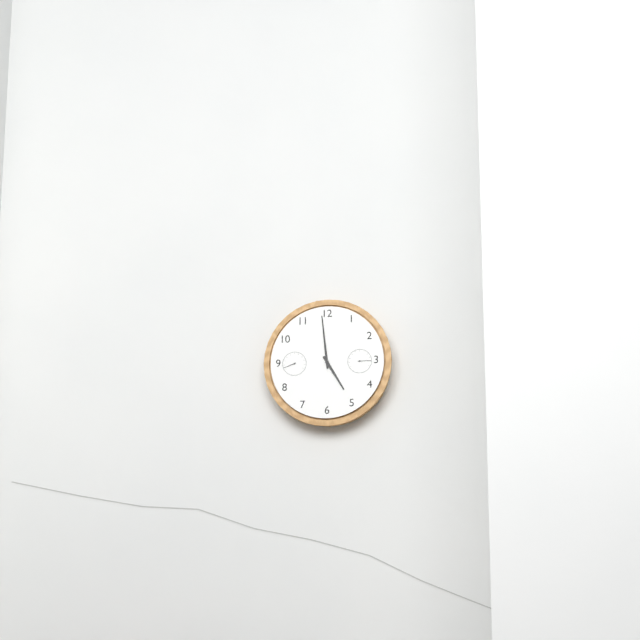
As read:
{"hour": 4, "minute": 59}
